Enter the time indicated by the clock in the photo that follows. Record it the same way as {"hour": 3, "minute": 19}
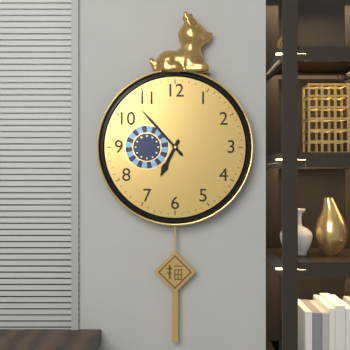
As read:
{"hour": 6, "minute": 53}
